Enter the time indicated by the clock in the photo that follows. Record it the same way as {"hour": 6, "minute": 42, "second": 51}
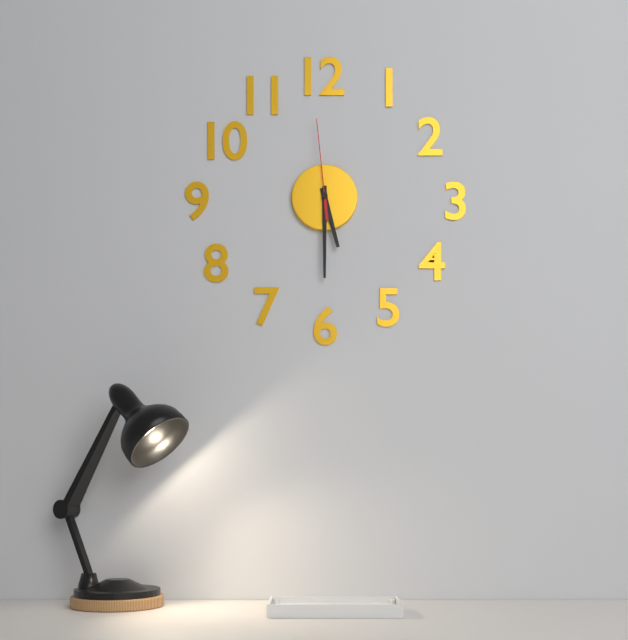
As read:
{"hour": 5, "minute": 30, "second": 59}
